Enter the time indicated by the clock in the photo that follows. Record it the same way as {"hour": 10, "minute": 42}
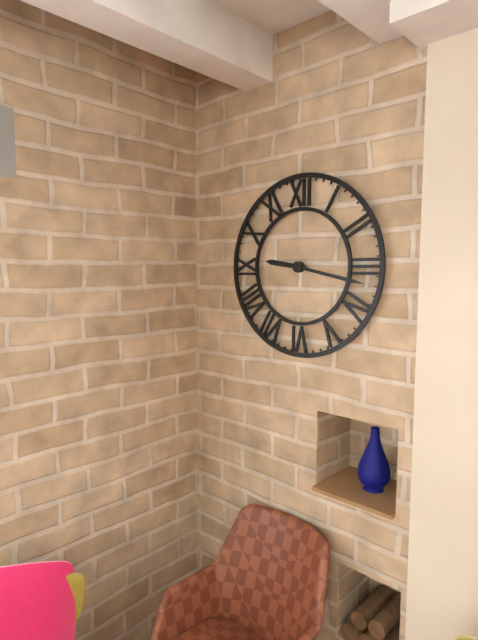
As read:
{"hour": 9, "minute": 17}
